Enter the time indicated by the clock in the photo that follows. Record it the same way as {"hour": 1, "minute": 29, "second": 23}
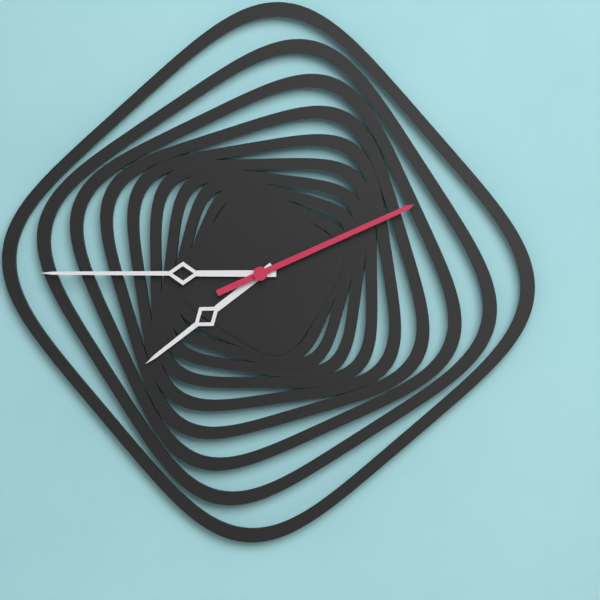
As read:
{"hour": 7, "minute": 45, "second": 11}
